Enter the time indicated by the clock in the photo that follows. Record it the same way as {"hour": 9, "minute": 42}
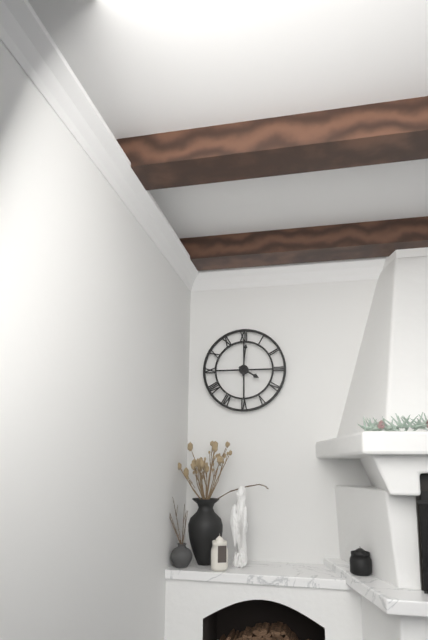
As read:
{"hour": 4, "minute": 1}
